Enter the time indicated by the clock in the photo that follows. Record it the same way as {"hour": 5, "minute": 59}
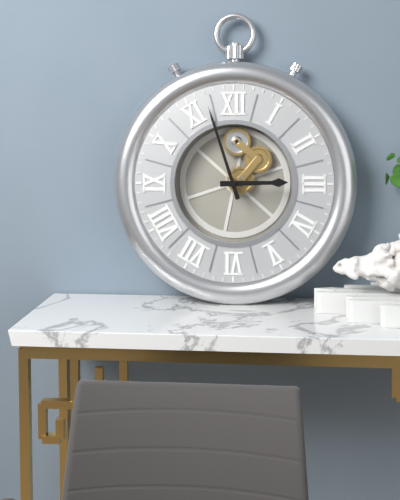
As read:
{"hour": 2, "minute": 57}
